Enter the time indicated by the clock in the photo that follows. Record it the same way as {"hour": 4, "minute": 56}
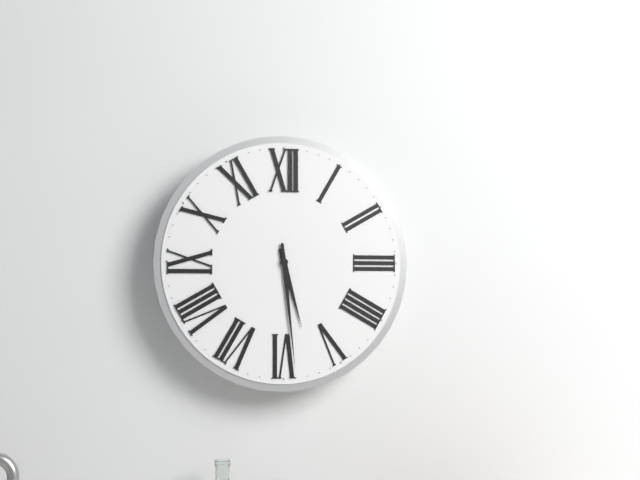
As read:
{"hour": 5, "minute": 29}
